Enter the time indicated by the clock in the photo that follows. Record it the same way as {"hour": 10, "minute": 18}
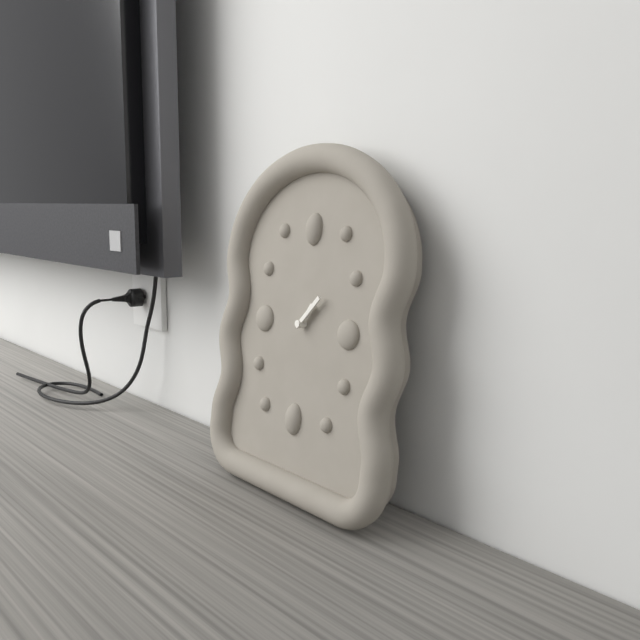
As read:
{"hour": 1, "minute": 7}
